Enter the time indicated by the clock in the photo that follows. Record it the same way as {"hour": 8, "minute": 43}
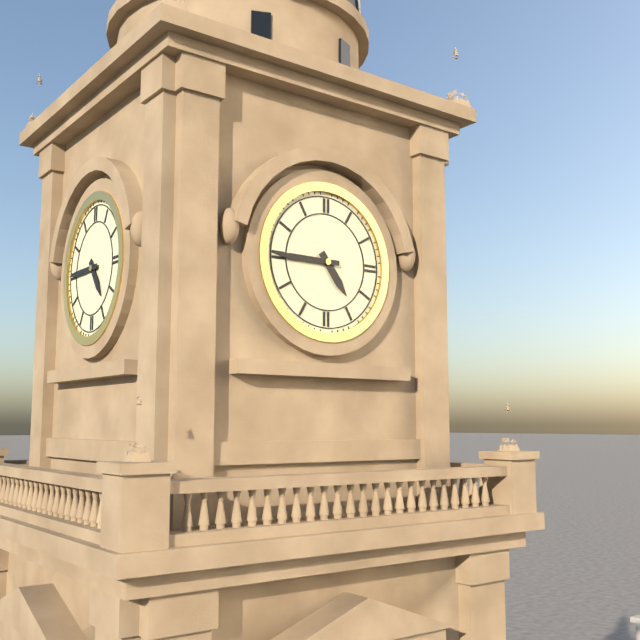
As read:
{"hour": 4, "minute": 45}
